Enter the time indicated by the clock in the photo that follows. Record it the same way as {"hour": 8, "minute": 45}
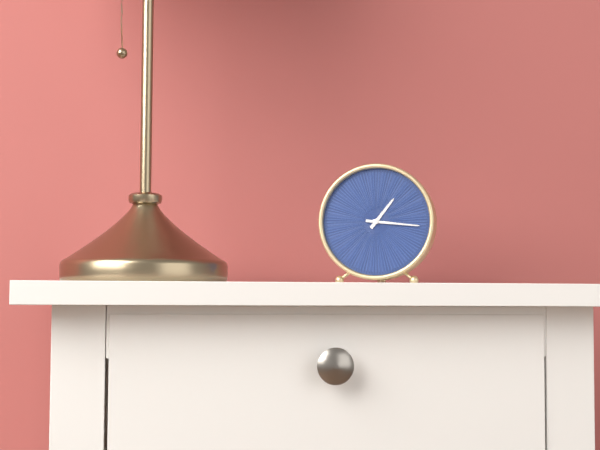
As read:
{"hour": 1, "minute": 16}
